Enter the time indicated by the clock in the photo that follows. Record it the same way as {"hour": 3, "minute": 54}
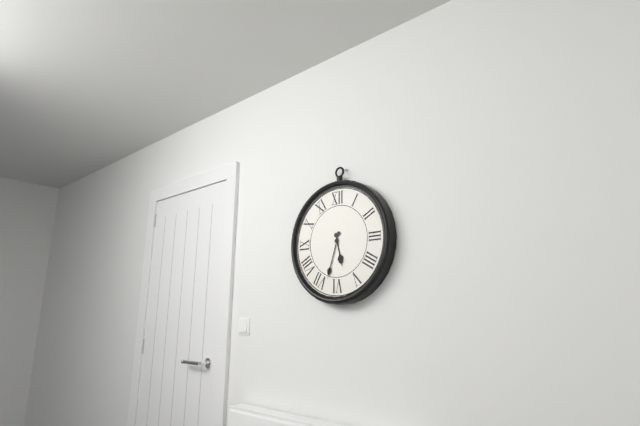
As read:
{"hour": 5, "minute": 33}
